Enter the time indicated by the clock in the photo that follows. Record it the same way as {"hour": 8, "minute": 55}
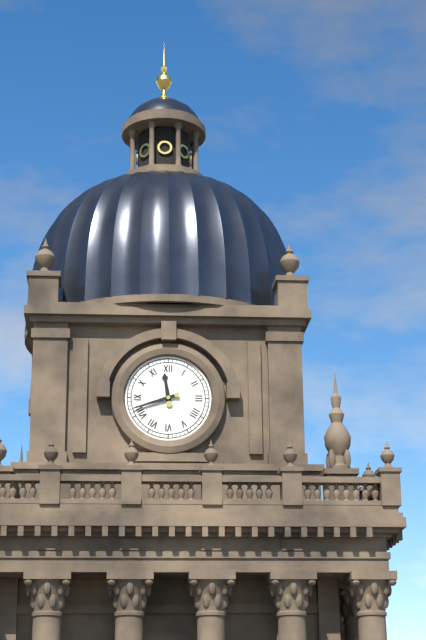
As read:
{"hour": 11, "minute": 42}
